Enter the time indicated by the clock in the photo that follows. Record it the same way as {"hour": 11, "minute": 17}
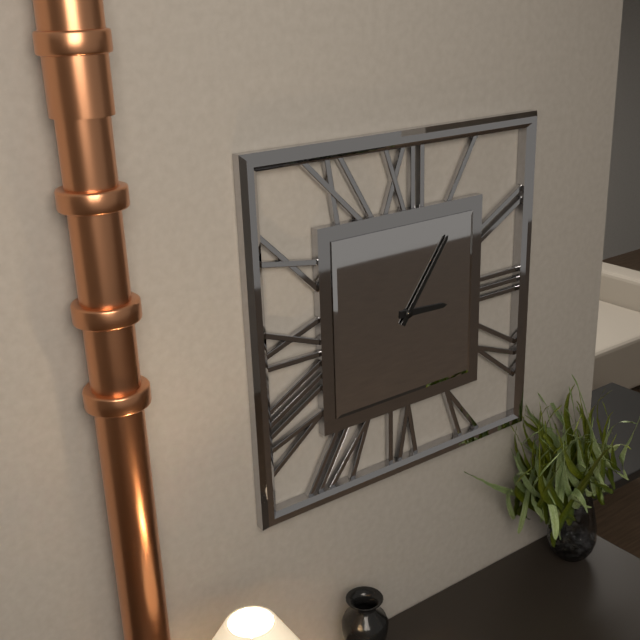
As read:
{"hour": 3, "minute": 6}
